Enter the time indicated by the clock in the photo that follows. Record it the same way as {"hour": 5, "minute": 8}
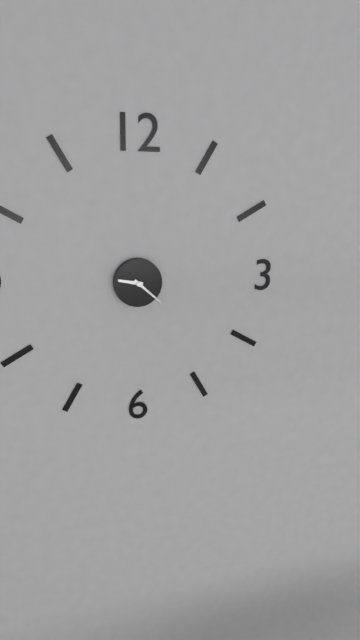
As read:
{"hour": 9, "minute": 22}
